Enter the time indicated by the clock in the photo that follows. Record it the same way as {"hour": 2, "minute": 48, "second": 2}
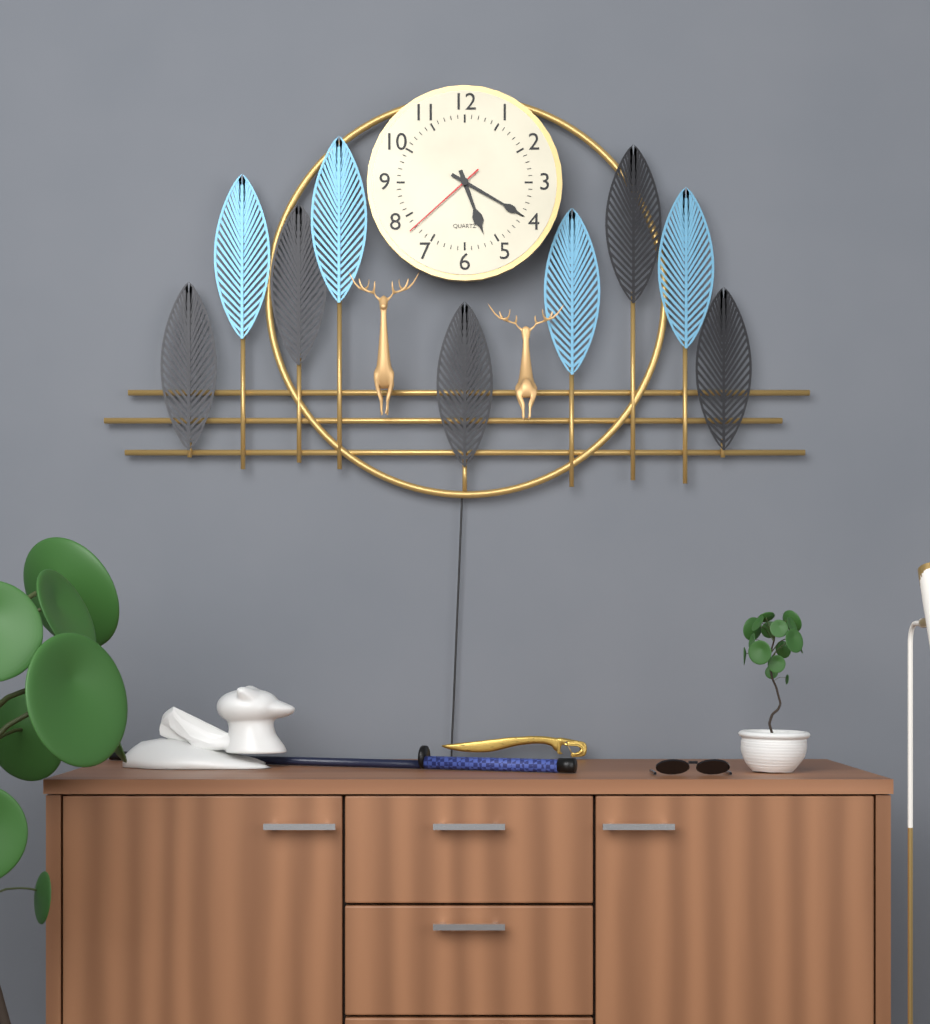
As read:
{"hour": 5, "minute": 20, "second": 38}
